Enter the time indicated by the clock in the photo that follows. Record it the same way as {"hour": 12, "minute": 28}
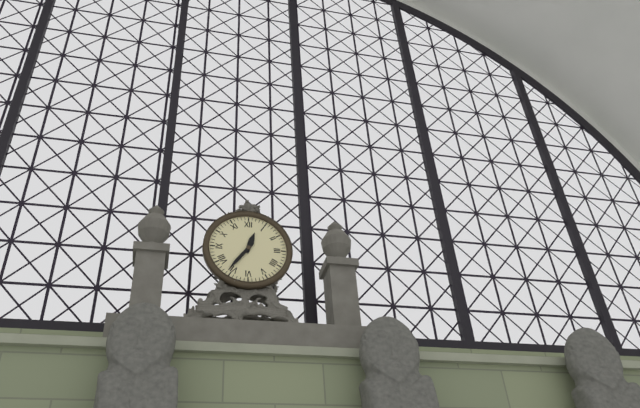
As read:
{"hour": 12, "minute": 36}
